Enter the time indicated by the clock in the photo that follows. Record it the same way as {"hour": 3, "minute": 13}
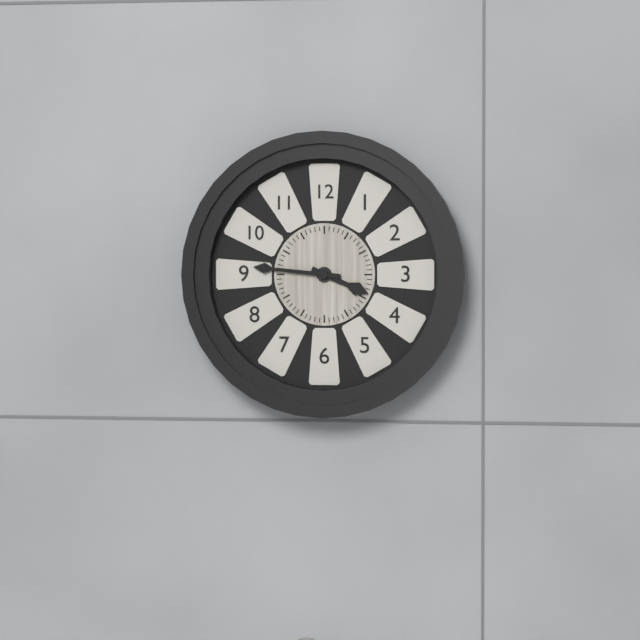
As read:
{"hour": 3, "minute": 46}
